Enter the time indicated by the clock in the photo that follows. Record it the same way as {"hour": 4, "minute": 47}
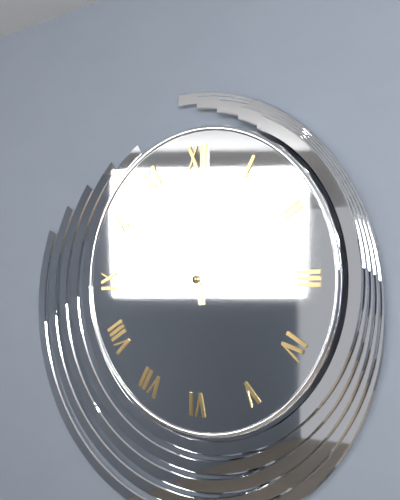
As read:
{"hour": 2, "minute": 58}
